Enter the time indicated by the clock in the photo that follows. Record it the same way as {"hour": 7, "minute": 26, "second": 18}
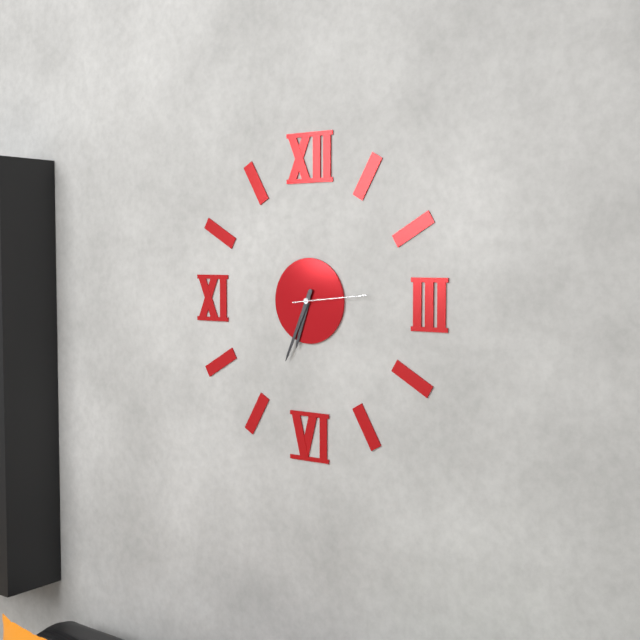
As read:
{"hour": 6, "minute": 34, "second": 14}
